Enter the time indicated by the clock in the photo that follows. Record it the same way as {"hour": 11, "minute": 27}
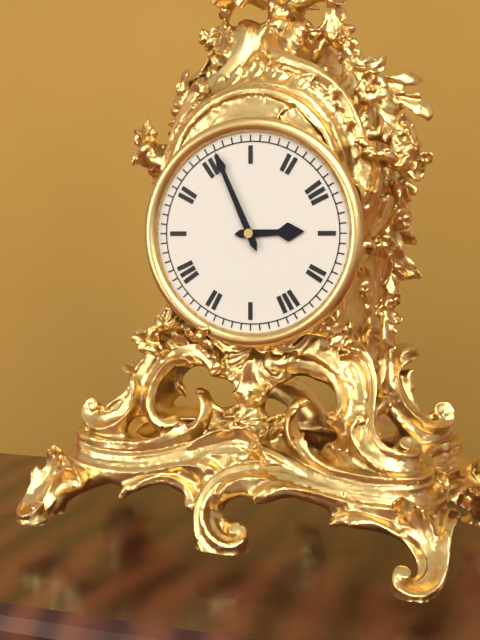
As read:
{"hour": 2, "minute": 56}
